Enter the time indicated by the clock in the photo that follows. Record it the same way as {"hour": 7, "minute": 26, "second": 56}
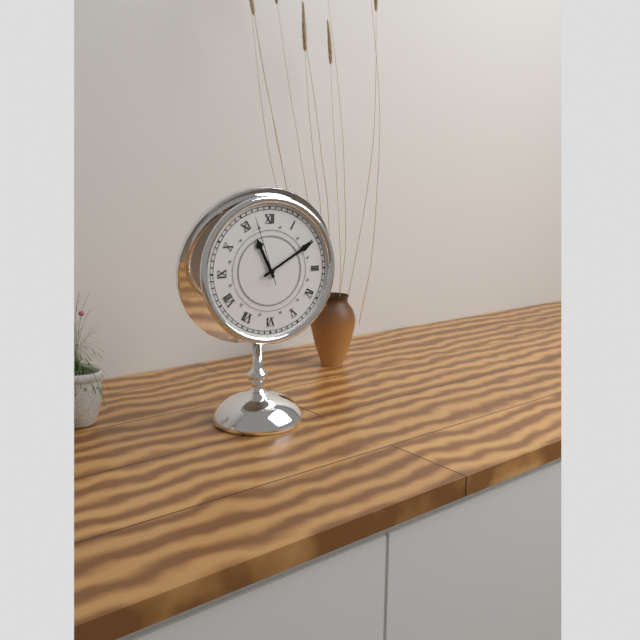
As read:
{"hour": 11, "minute": 10, "second": 57}
